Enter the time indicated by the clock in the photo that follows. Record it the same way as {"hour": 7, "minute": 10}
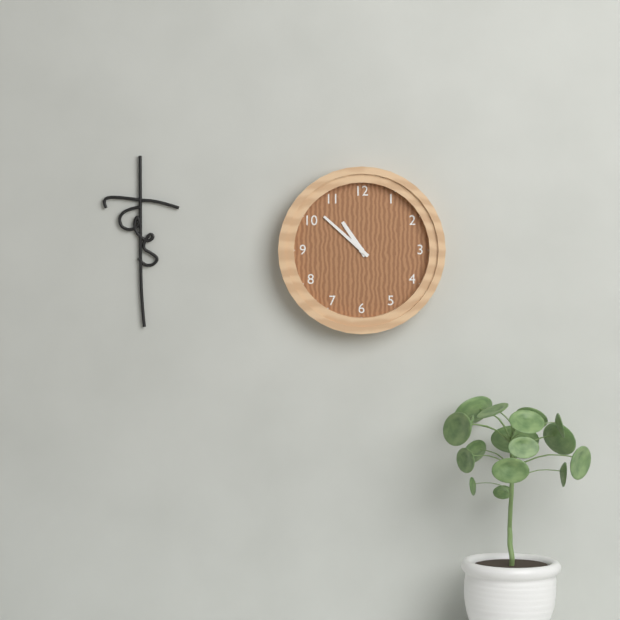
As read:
{"hour": 10, "minute": 52}
